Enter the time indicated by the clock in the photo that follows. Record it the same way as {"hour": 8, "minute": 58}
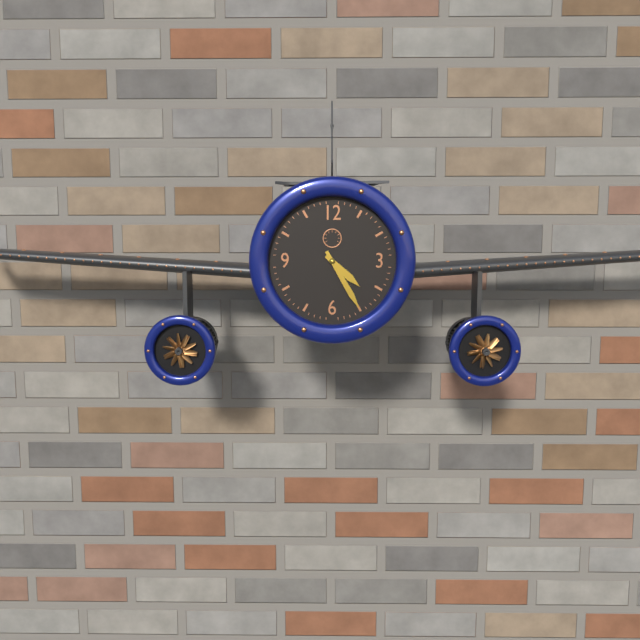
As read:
{"hour": 4, "minute": 25}
